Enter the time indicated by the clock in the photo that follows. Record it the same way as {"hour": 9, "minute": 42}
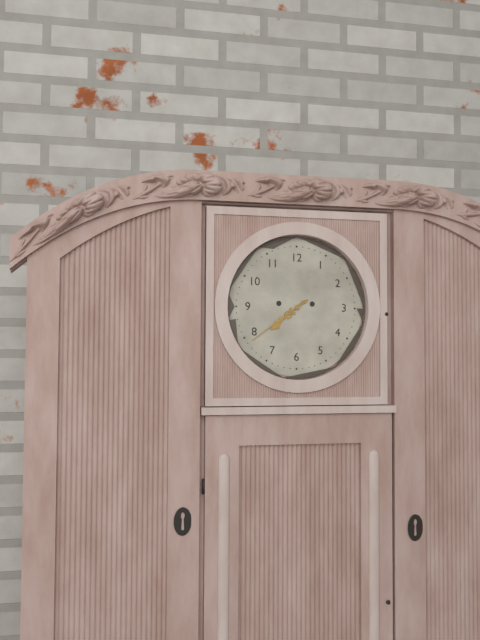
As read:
{"hour": 7, "minute": 39}
